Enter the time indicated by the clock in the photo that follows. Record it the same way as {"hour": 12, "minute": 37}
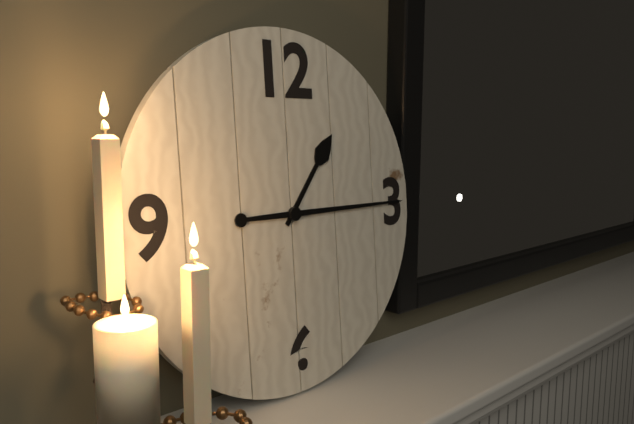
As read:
{"hour": 1, "minute": 15}
